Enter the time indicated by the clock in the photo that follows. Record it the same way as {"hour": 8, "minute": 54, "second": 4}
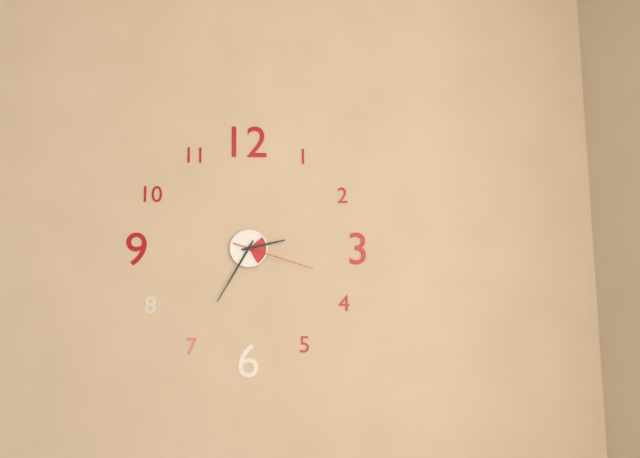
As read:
{"hour": 2, "minute": 35, "second": 18}
